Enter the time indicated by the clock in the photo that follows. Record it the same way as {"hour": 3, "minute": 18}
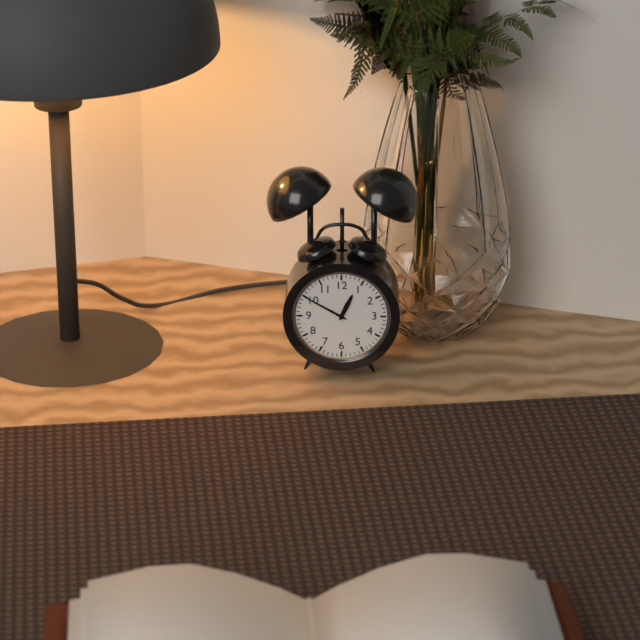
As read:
{"hour": 12, "minute": 50}
